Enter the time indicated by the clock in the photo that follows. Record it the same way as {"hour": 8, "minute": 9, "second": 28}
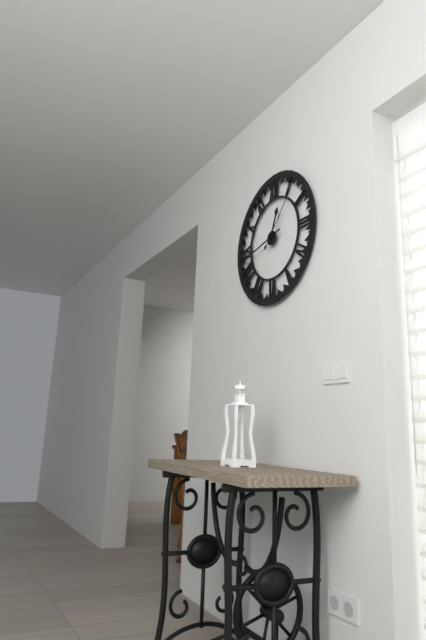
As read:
{"hour": 12, "minute": 43, "second": 7}
